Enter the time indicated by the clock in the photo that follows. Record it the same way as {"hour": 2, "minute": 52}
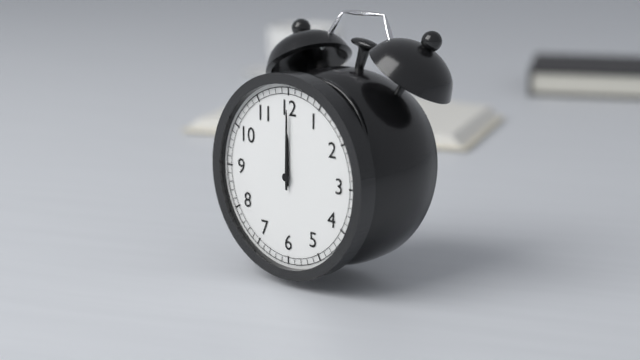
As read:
{"hour": 12, "minute": 0}
